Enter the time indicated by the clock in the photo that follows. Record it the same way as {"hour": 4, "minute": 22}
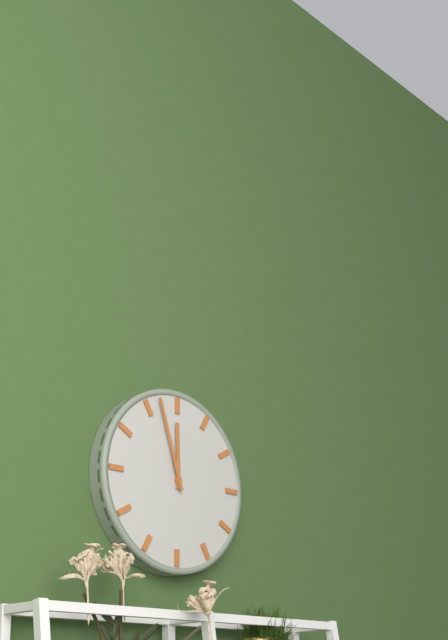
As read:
{"hour": 11, "minute": 57}
